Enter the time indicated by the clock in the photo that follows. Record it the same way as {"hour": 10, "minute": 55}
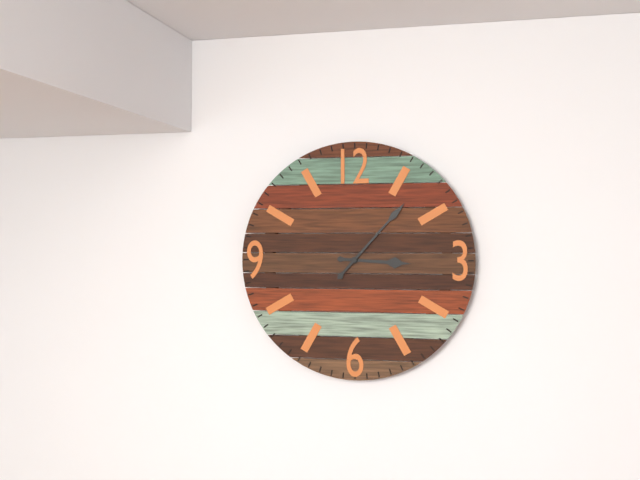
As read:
{"hour": 3, "minute": 7}
